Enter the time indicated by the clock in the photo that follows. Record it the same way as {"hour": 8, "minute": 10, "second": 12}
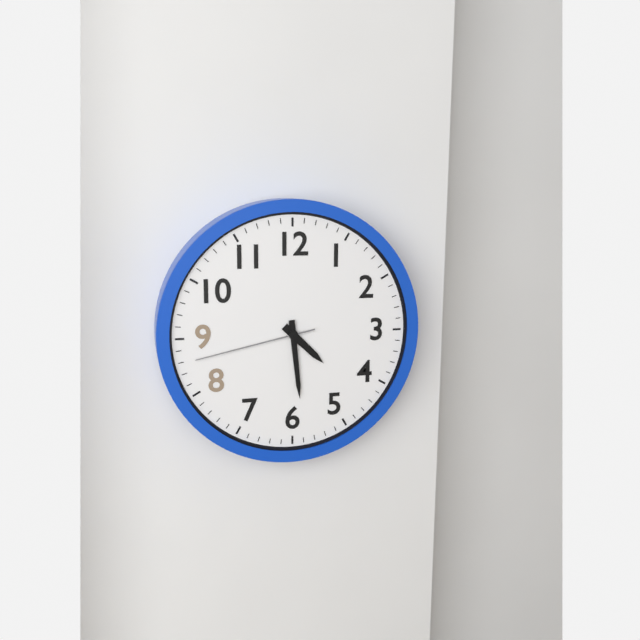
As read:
{"hour": 4, "minute": 29, "second": 43}
